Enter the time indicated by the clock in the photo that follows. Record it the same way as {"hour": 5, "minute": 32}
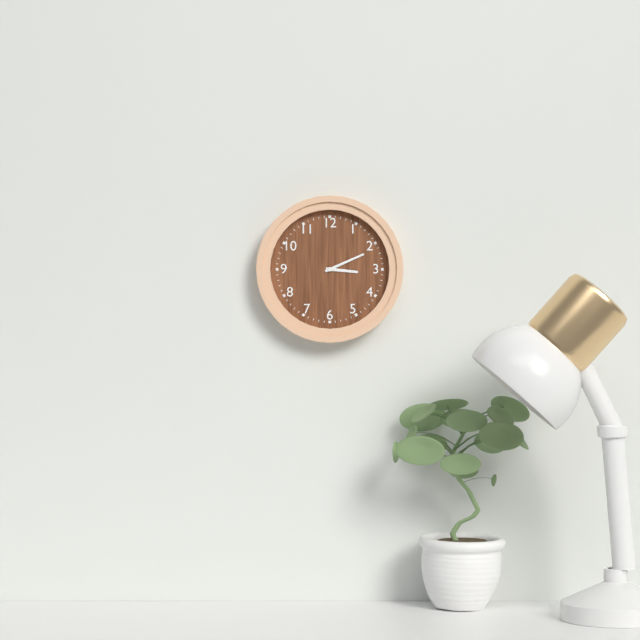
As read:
{"hour": 3, "minute": 11}
